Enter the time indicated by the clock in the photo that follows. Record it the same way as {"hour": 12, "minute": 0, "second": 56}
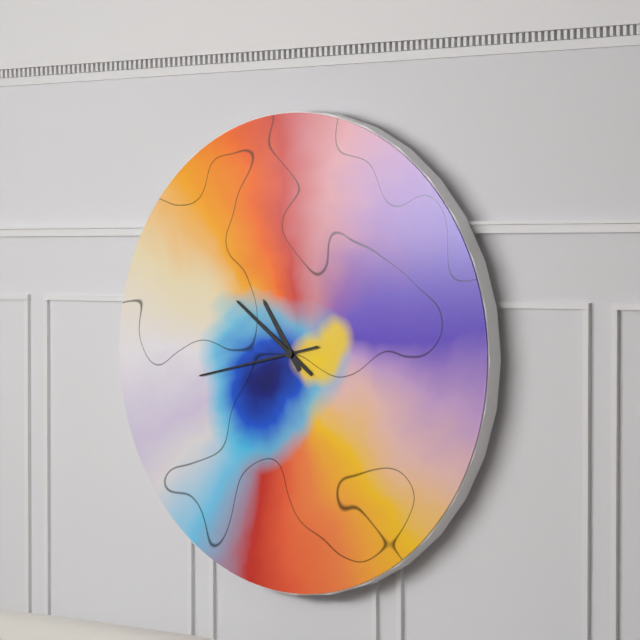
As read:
{"hour": 10, "minute": 51, "second": 43}
